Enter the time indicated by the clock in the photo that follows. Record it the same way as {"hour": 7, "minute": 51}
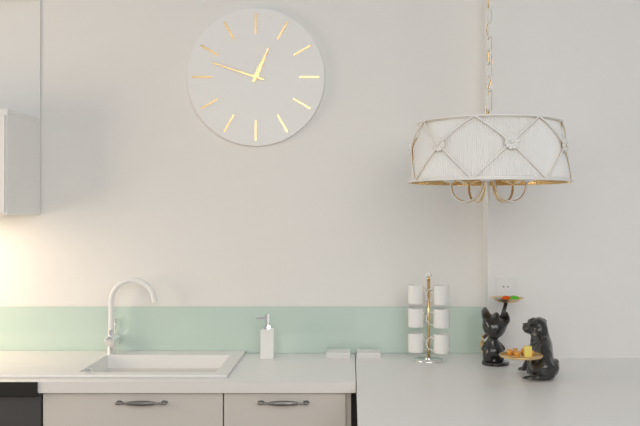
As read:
{"hour": 12, "minute": 48}
